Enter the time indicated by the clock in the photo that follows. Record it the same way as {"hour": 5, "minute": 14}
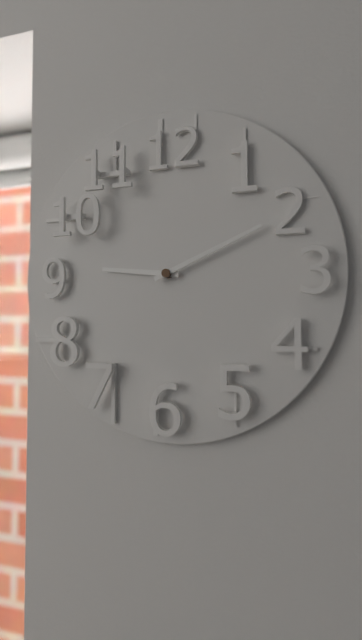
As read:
{"hour": 9, "minute": 11}
